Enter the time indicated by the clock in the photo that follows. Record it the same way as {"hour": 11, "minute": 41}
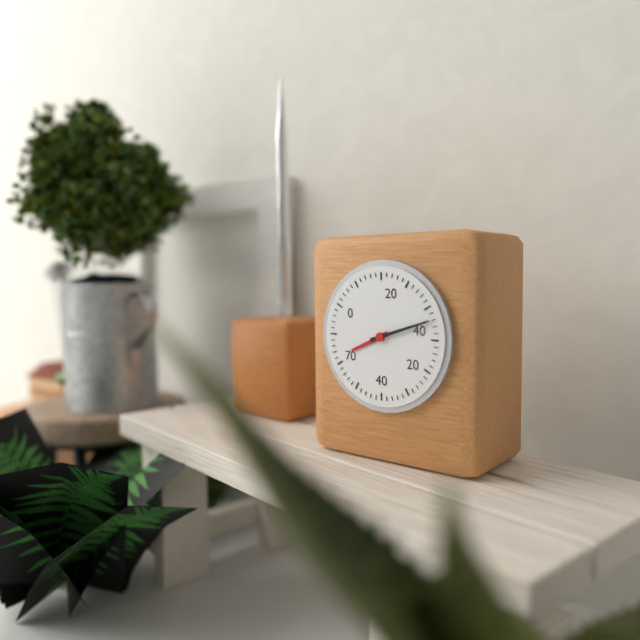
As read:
{"hour": 8, "minute": 12}
